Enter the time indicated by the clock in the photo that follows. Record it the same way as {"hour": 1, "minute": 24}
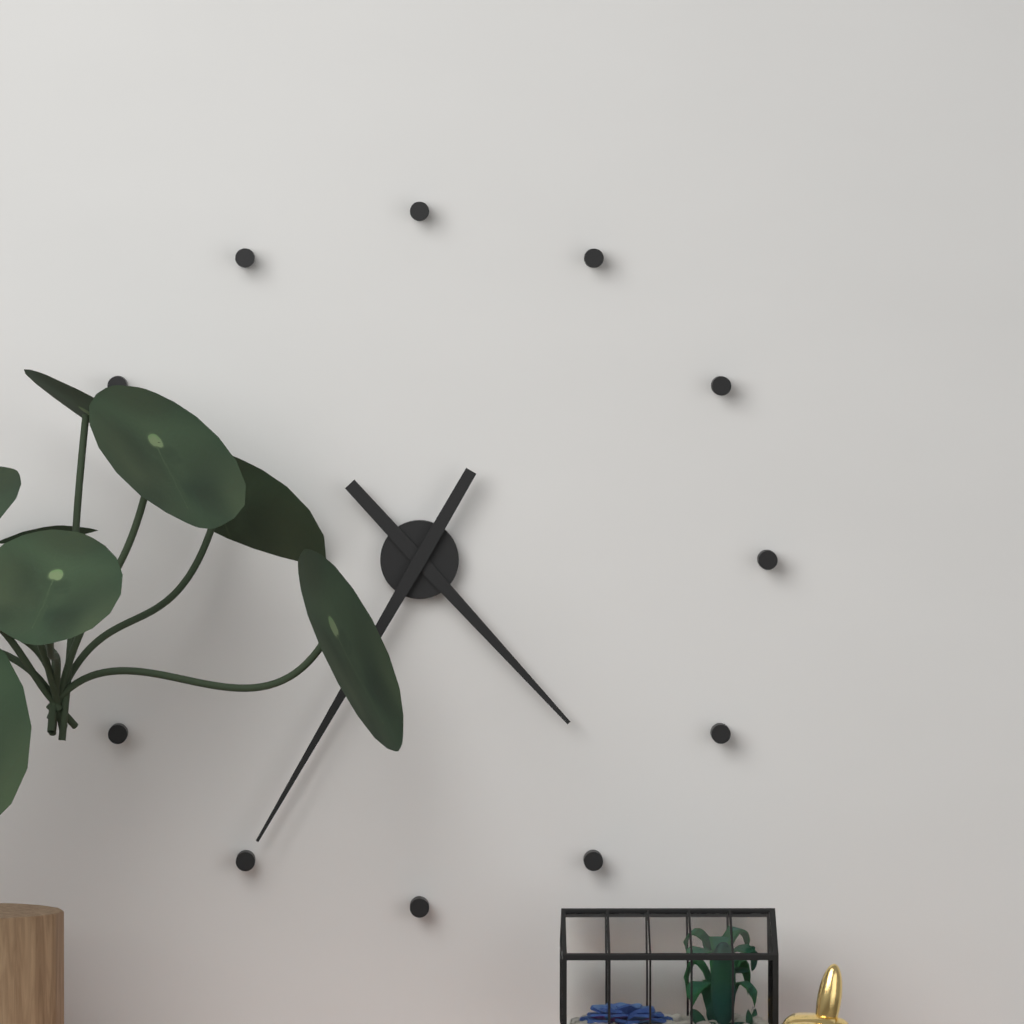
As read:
{"hour": 4, "minute": 35}
